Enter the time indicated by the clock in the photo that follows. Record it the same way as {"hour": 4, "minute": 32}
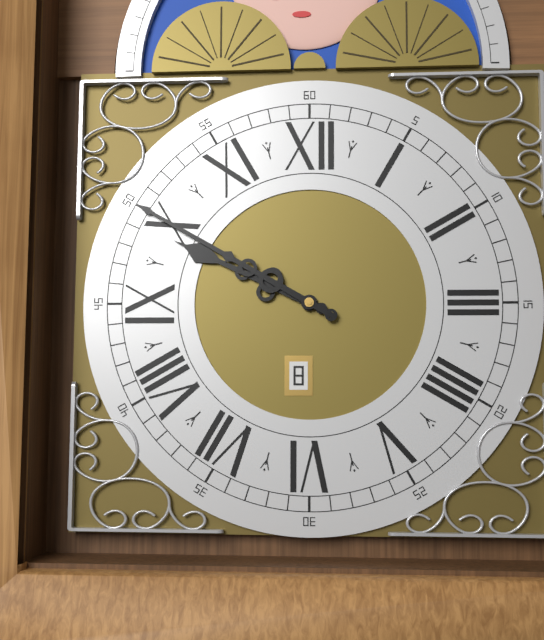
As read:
{"hour": 9, "minute": 50}
